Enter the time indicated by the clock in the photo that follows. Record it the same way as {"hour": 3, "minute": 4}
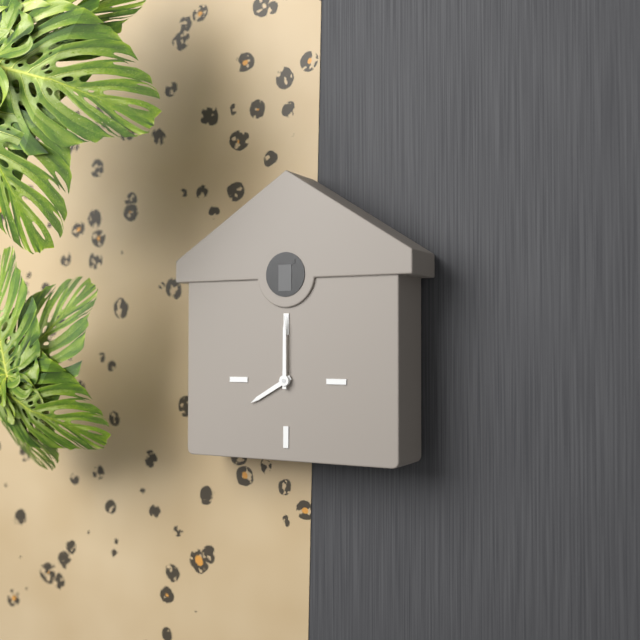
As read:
{"hour": 8, "minute": 0}
